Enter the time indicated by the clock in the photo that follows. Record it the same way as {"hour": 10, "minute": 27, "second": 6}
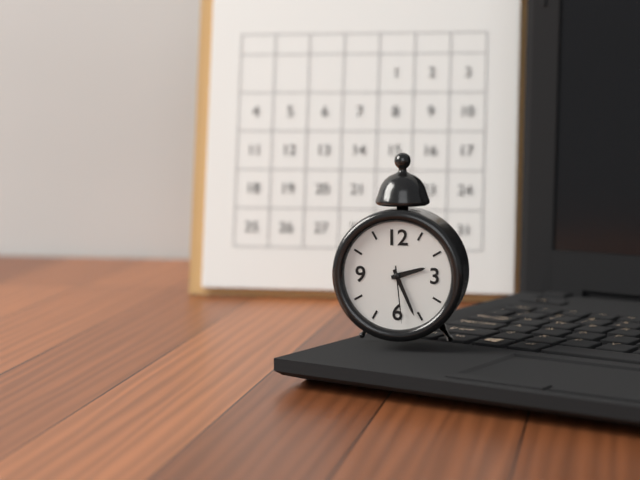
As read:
{"hour": 2, "minute": 26, "second": 29}
